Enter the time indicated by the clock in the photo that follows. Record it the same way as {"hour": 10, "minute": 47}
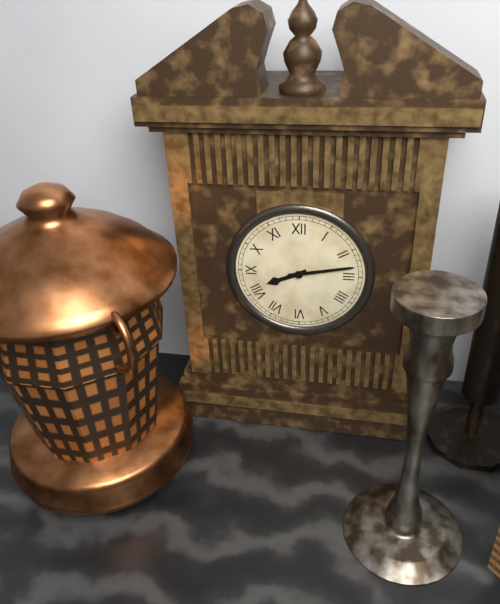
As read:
{"hour": 8, "minute": 13}
